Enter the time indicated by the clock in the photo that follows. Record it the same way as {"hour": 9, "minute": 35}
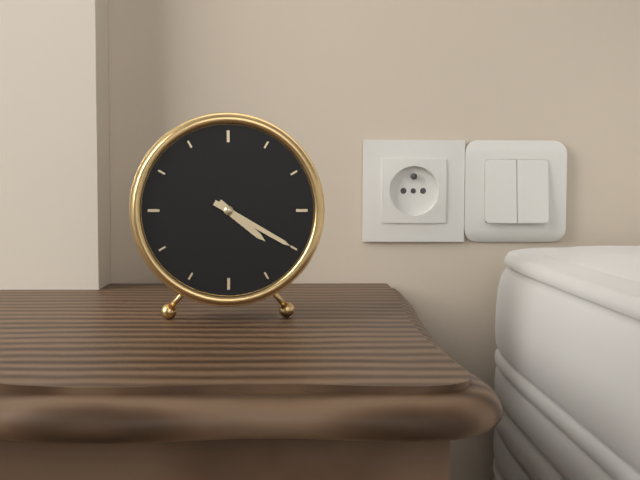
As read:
{"hour": 4, "minute": 20}
